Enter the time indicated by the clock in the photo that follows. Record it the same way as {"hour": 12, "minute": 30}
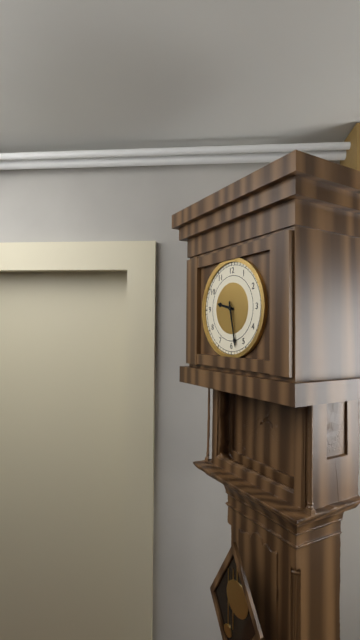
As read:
{"hour": 9, "minute": 28}
